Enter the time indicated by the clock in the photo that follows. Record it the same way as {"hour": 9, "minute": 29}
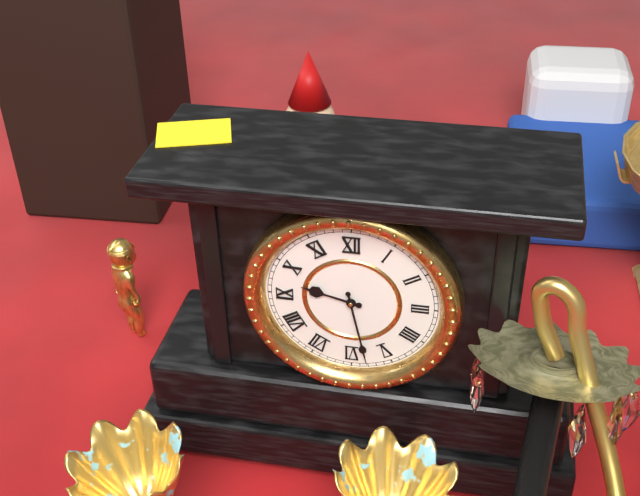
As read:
{"hour": 9, "minute": 28}
